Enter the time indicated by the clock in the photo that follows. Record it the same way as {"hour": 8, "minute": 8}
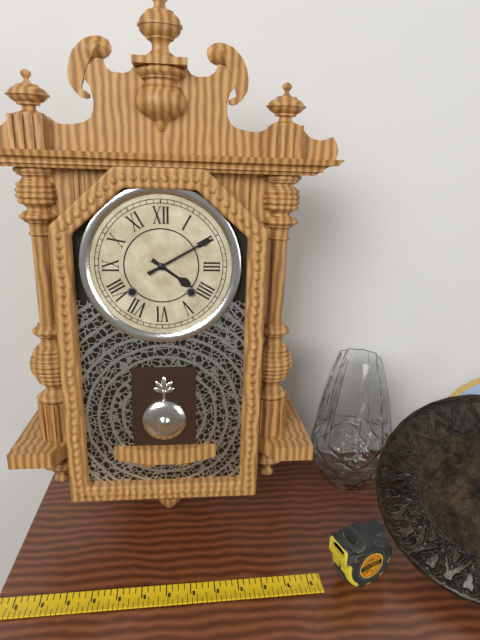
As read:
{"hour": 4, "minute": 10}
